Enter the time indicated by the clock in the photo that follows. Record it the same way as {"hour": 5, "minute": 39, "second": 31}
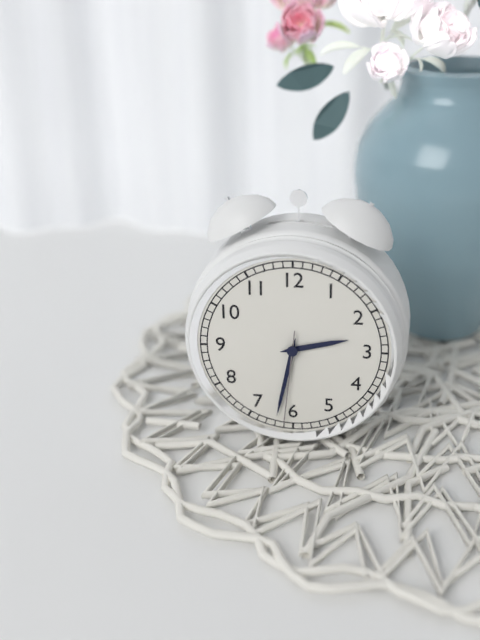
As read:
{"hour": 2, "minute": 32, "second": 31}
